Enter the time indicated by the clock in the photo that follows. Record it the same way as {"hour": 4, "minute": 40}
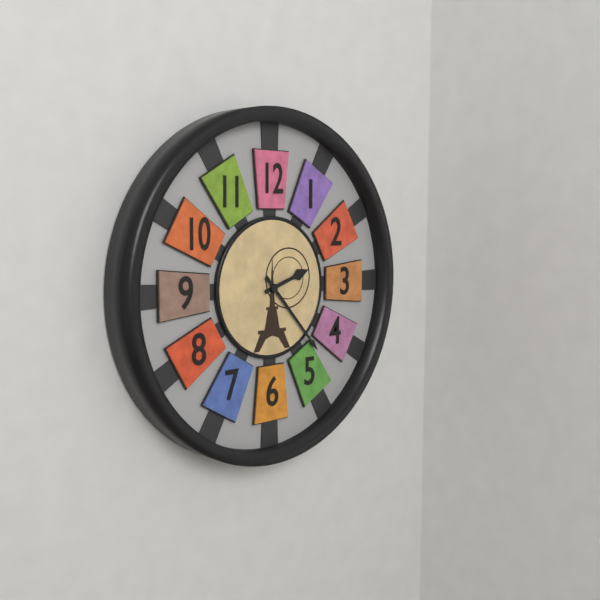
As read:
{"hour": 2, "minute": 23}
